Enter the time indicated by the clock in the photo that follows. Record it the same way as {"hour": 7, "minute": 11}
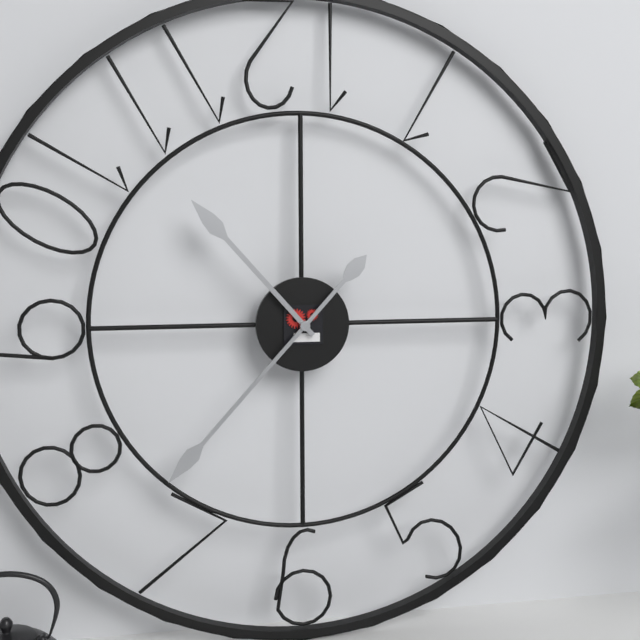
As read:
{"hour": 10, "minute": 37}
